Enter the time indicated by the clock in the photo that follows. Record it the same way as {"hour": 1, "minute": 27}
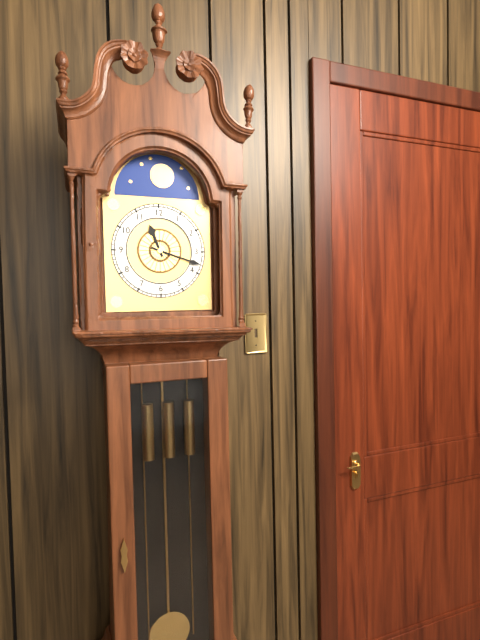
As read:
{"hour": 11, "minute": 18}
